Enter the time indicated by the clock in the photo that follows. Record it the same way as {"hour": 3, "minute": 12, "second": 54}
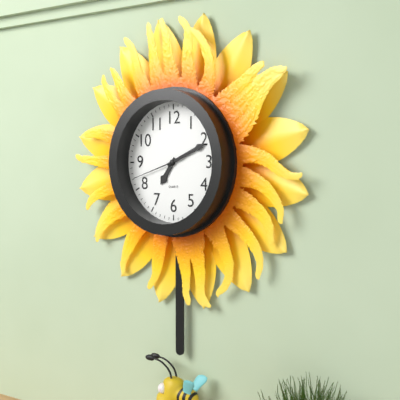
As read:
{"hour": 7, "minute": 11, "second": 42}
